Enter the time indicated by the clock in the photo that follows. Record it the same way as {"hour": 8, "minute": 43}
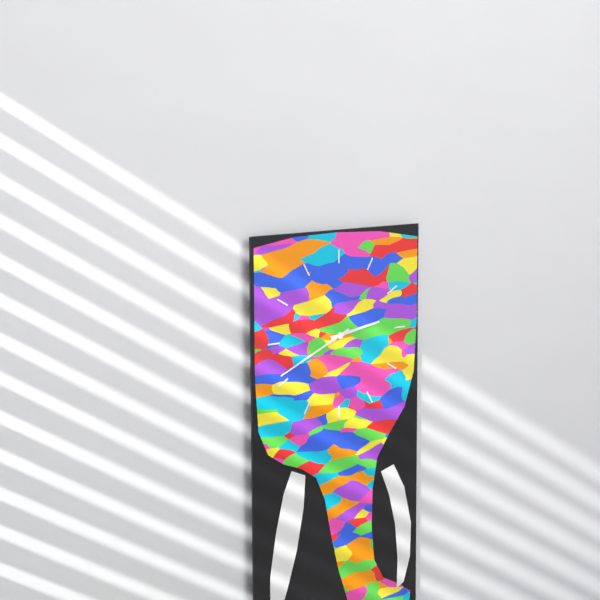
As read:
{"hour": 2, "minute": 41}
